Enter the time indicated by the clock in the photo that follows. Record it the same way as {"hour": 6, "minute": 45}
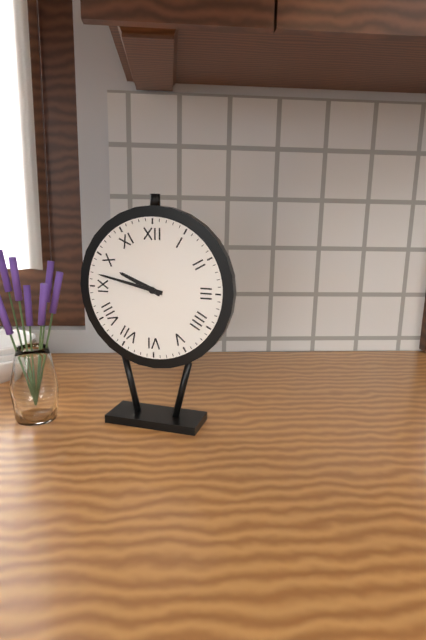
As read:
{"hour": 9, "minute": 47}
